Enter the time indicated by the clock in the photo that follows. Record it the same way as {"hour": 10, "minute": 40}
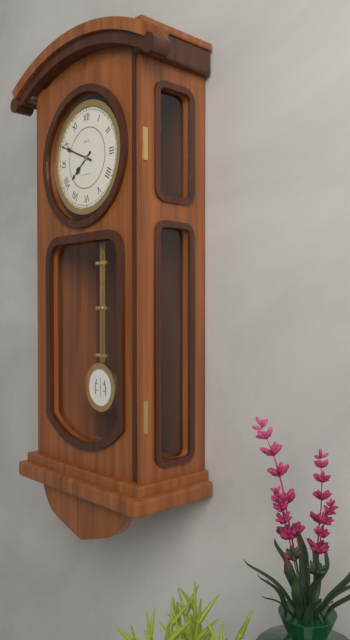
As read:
{"hour": 7, "minute": 49}
